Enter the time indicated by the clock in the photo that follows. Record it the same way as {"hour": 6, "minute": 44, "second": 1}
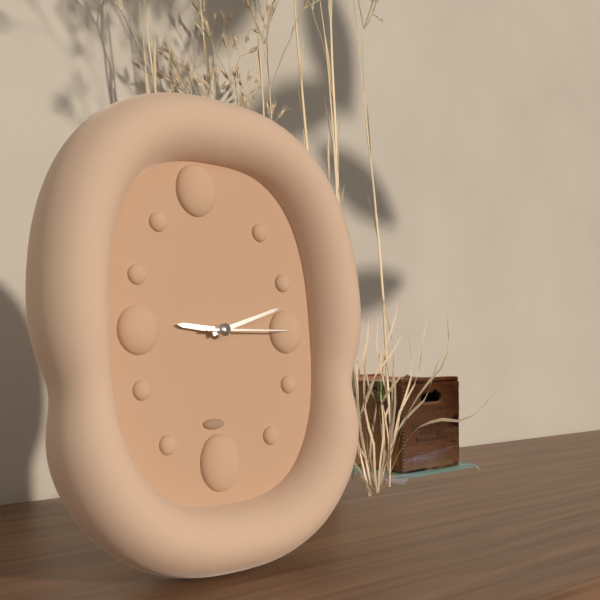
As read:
{"hour": 9, "minute": 12, "second": 15}
